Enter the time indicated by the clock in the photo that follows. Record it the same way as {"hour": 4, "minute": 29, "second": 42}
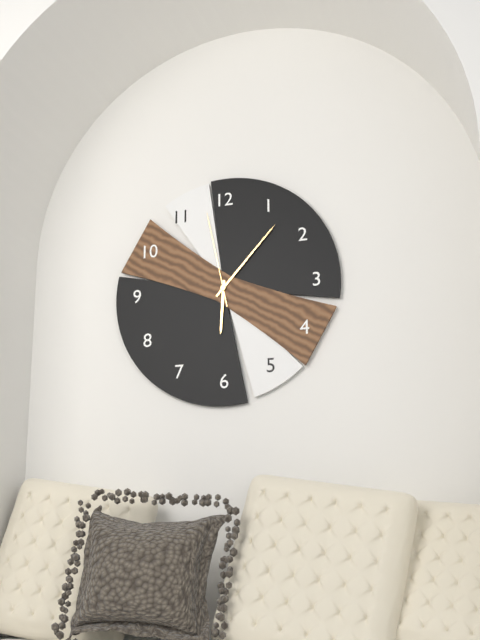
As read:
{"hour": 6, "minute": 7, "second": 58}
